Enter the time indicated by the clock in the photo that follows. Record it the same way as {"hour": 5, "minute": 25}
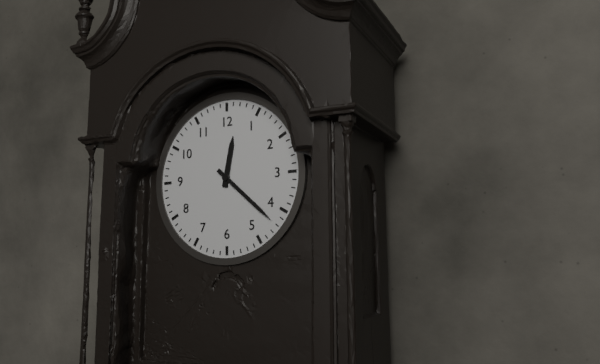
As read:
{"hour": 12, "minute": 22}
